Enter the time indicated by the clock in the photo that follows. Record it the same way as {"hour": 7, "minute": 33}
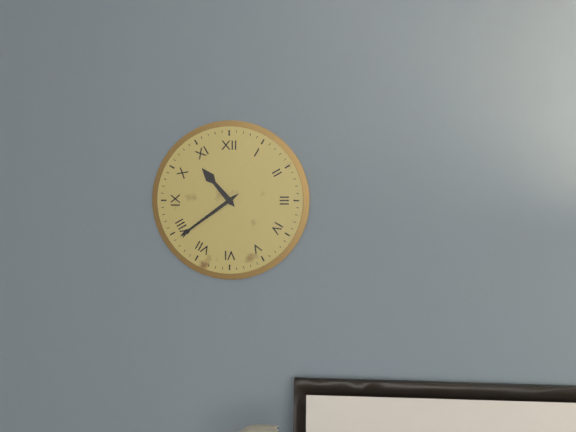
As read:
{"hour": 10, "minute": 39}
